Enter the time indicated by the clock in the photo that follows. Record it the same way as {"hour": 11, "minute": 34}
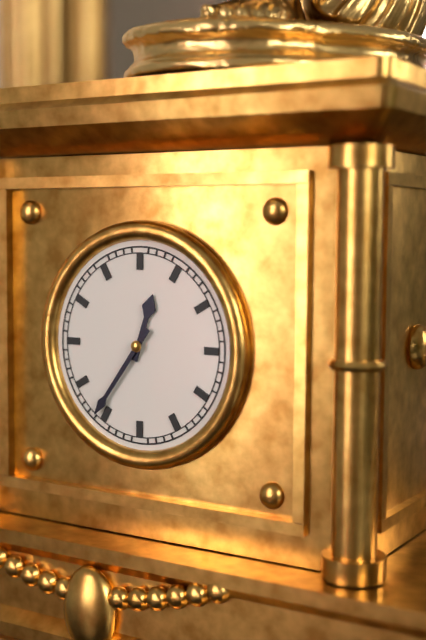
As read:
{"hour": 12, "minute": 36}
